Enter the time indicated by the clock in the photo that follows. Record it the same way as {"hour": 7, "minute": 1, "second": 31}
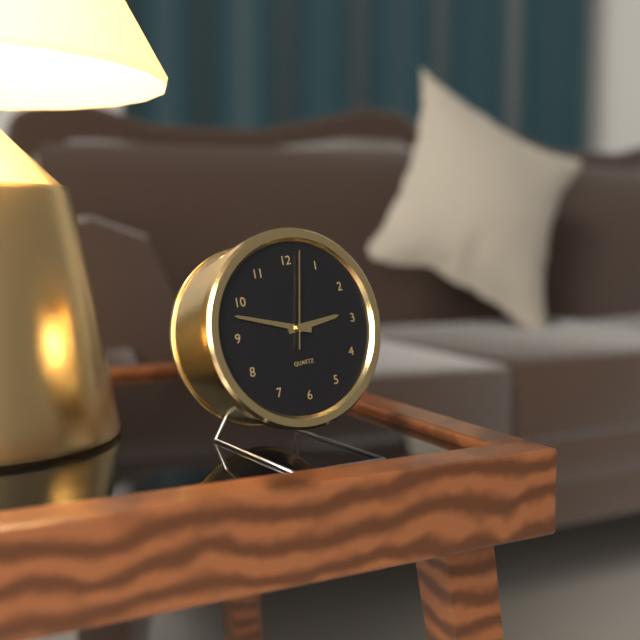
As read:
{"hour": 2, "minute": 48, "second": 2}
